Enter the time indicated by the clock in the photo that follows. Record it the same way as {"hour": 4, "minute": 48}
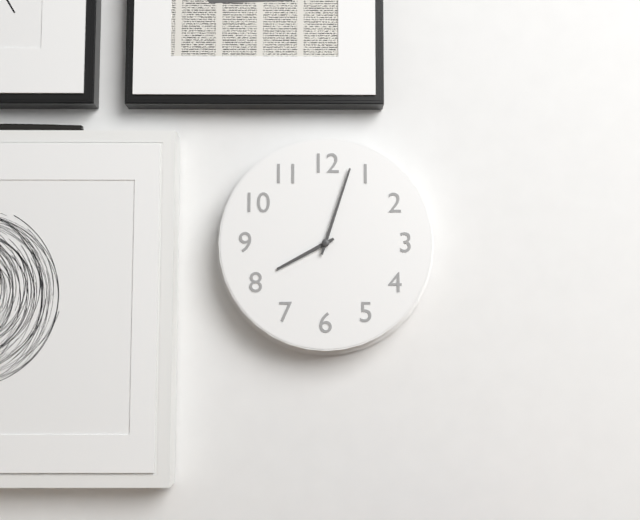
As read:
{"hour": 8, "minute": 3}
